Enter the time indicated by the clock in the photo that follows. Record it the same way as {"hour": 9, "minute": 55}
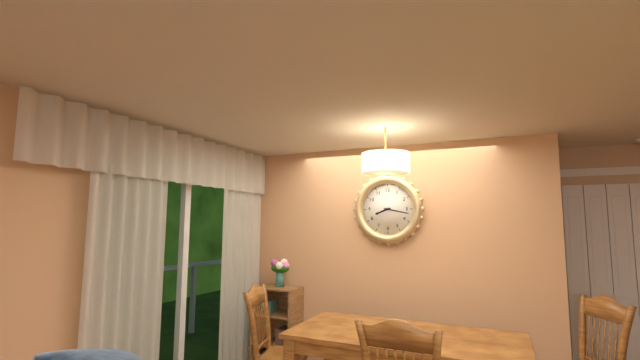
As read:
{"hour": 8, "minute": 17}
